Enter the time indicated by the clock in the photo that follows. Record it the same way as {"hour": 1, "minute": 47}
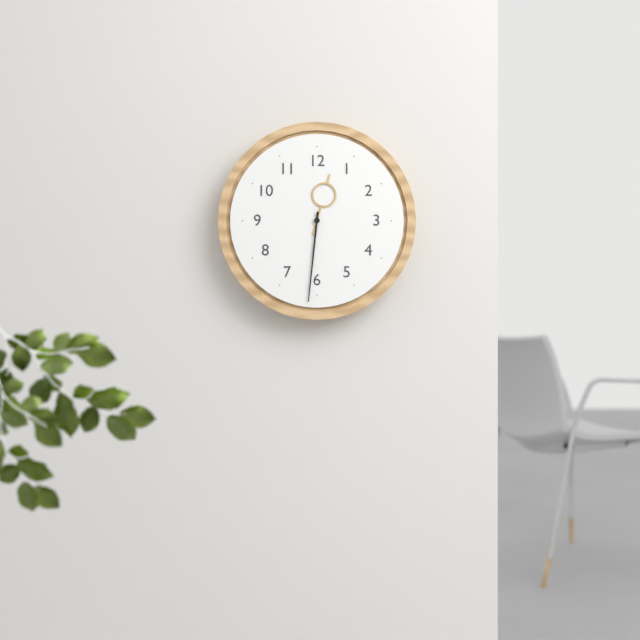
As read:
{"hour": 12, "minute": 31}
